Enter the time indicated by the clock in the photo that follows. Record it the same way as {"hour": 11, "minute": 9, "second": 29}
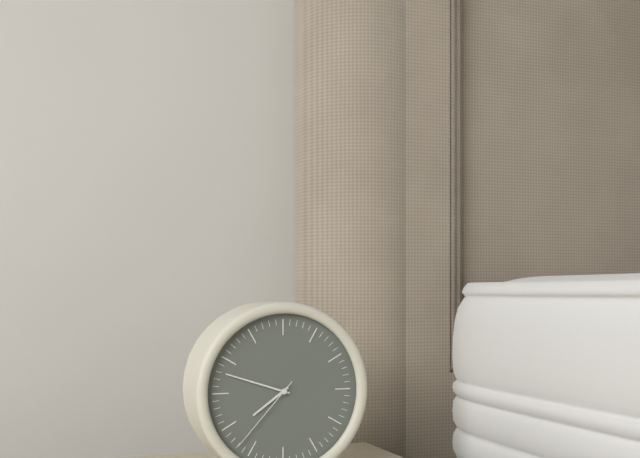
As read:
{"hour": 7, "minute": 48, "second": 37}
